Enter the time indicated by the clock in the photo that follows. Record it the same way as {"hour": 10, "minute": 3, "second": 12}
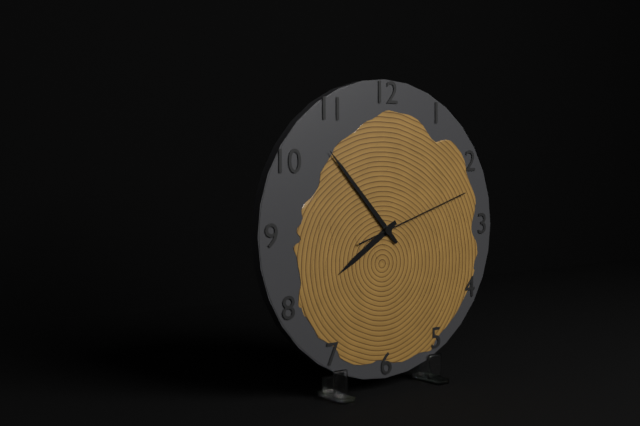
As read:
{"hour": 7, "minute": 53, "second": 12}
